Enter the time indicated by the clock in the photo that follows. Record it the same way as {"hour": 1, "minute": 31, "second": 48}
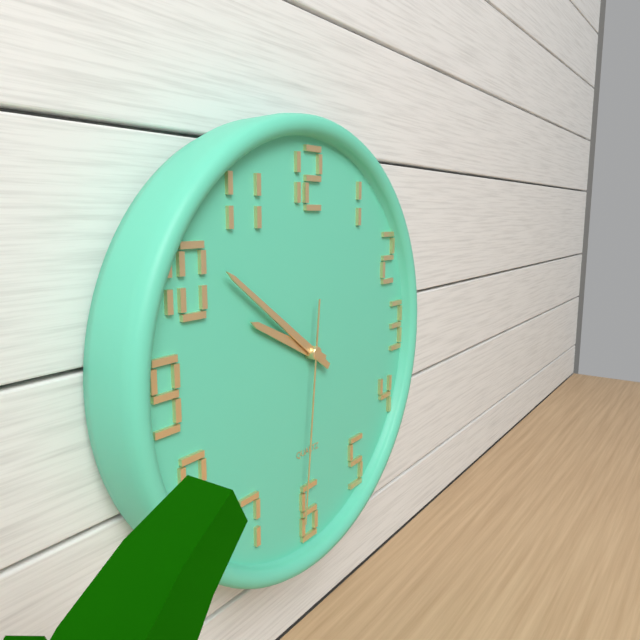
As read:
{"hour": 9, "minute": 51, "second": 31}
